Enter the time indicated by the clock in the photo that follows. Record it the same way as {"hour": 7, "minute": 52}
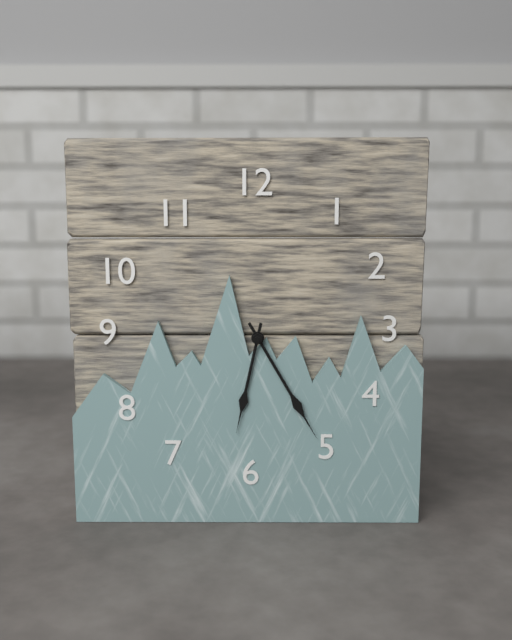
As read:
{"hour": 6, "minute": 25}
